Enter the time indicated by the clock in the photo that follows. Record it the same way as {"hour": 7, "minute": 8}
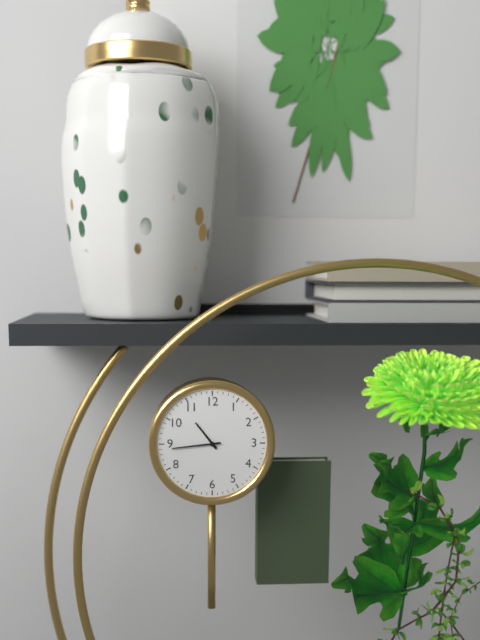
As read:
{"hour": 10, "minute": 44}
